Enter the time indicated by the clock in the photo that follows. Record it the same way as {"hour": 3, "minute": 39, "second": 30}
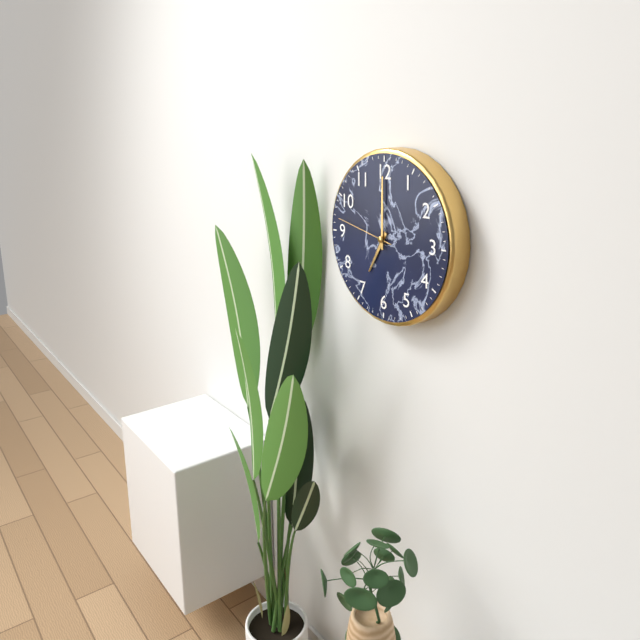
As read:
{"hour": 7, "minute": 0, "second": 47}
